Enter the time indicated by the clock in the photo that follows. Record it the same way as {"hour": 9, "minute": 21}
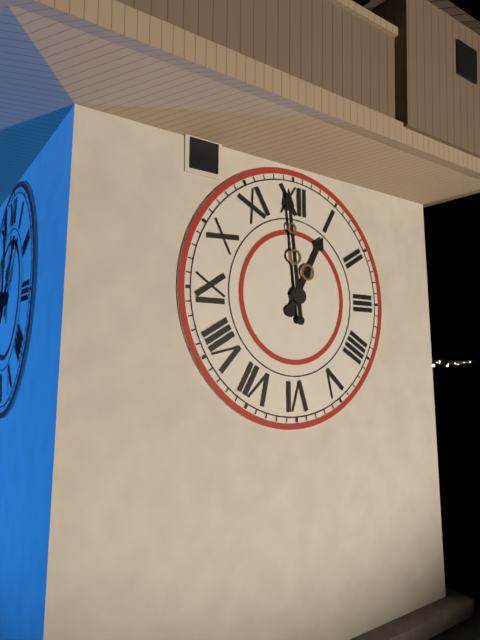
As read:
{"hour": 12, "minute": 59}
